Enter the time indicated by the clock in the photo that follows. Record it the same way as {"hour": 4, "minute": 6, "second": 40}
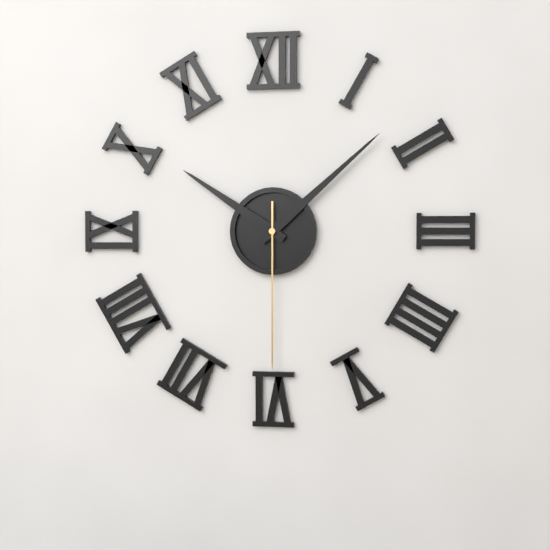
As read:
{"hour": 10, "minute": 8, "second": 30}
